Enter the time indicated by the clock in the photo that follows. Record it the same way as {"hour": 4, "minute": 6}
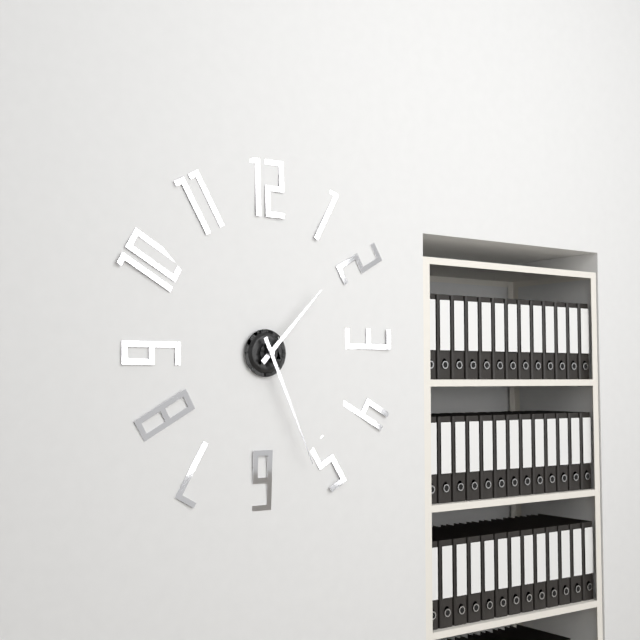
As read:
{"hour": 1, "minute": 26}
